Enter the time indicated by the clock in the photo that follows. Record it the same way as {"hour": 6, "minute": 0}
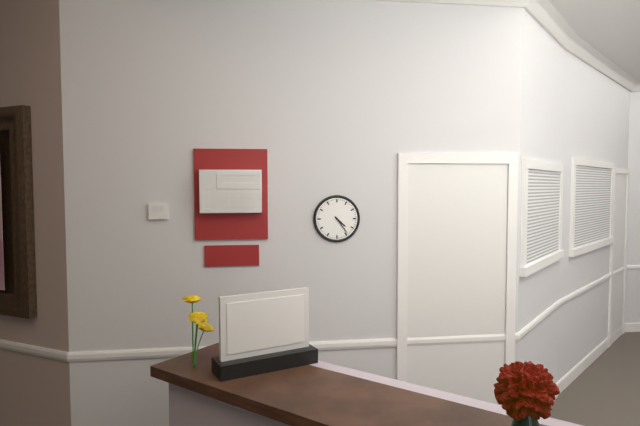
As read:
{"hour": 4, "minute": 24}
